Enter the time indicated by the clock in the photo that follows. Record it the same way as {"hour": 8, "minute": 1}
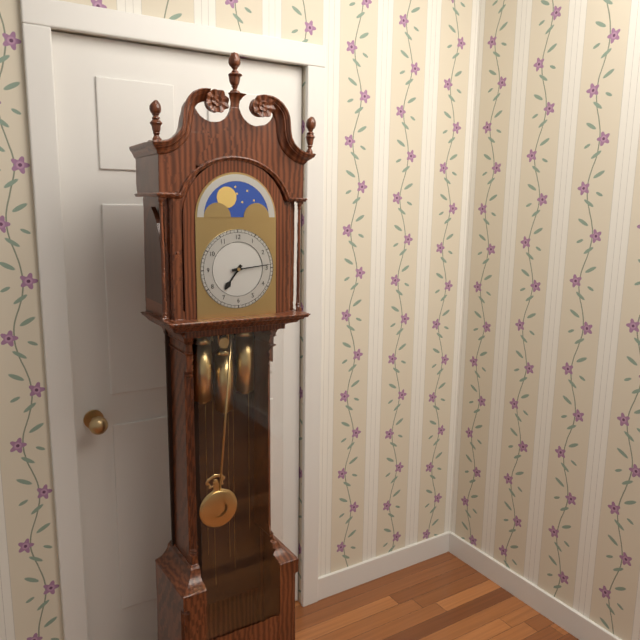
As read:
{"hour": 7, "minute": 14}
